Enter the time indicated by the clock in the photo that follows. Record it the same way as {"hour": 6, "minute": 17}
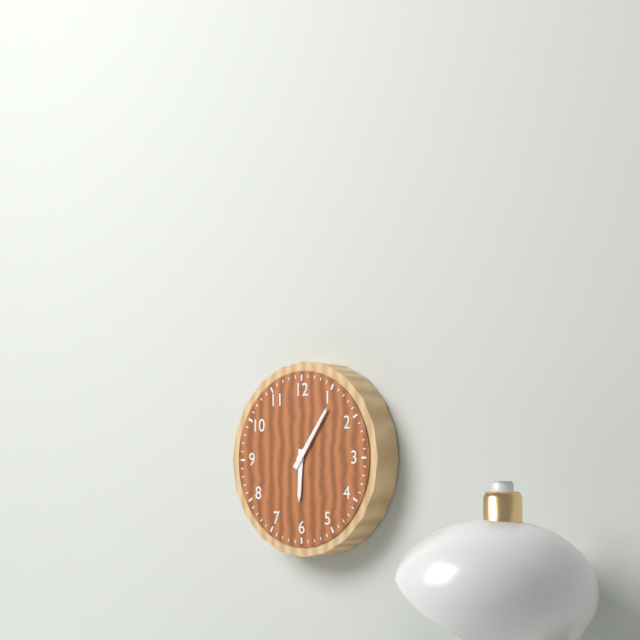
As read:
{"hour": 6, "minute": 6}
